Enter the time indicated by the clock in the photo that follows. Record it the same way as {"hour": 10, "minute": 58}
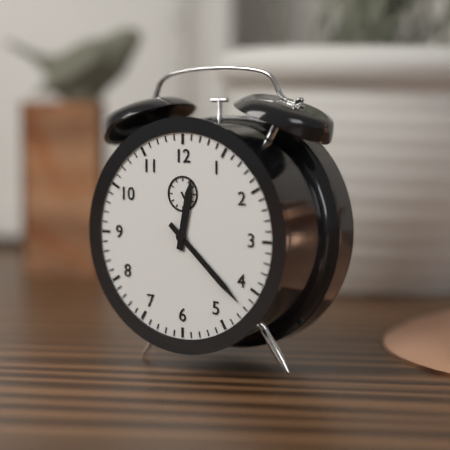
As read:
{"hour": 12, "minute": 22}
